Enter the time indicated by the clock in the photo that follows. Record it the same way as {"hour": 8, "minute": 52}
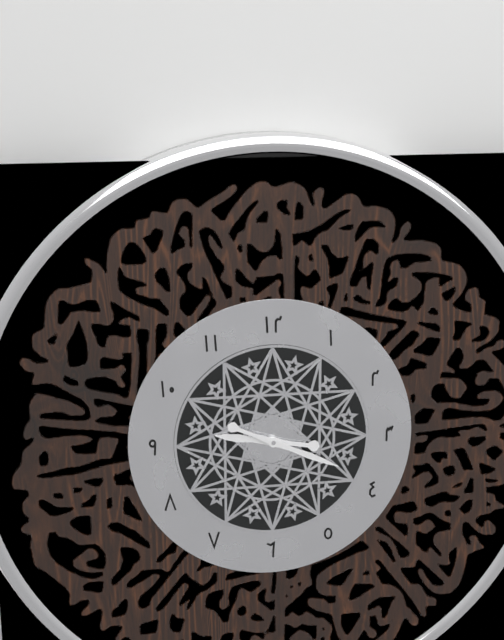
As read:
{"hour": 9, "minute": 19}
